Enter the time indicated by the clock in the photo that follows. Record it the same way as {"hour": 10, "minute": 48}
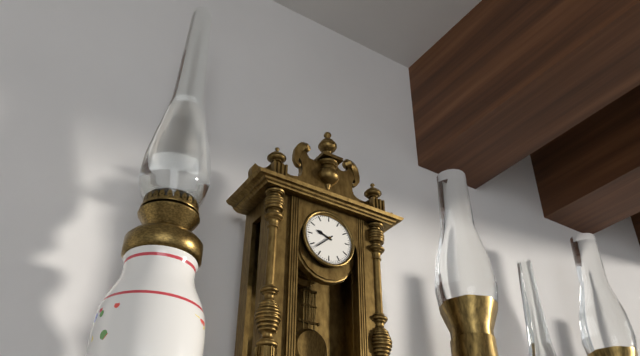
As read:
{"hour": 9, "minute": 38}
